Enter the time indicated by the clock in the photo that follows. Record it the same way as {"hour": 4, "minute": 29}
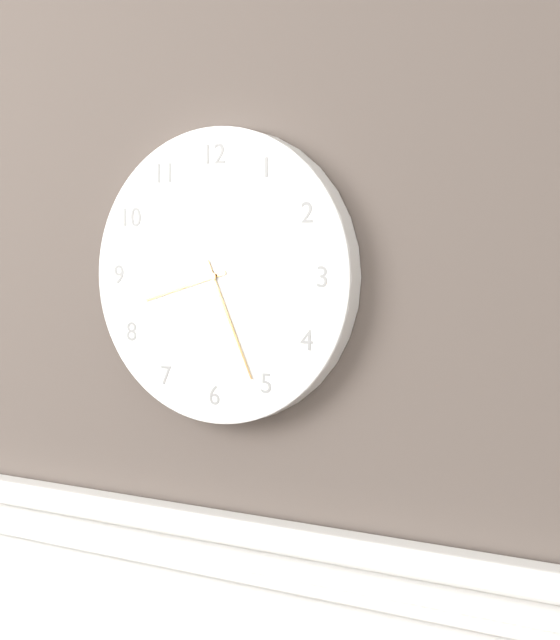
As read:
{"hour": 8, "minute": 26}
